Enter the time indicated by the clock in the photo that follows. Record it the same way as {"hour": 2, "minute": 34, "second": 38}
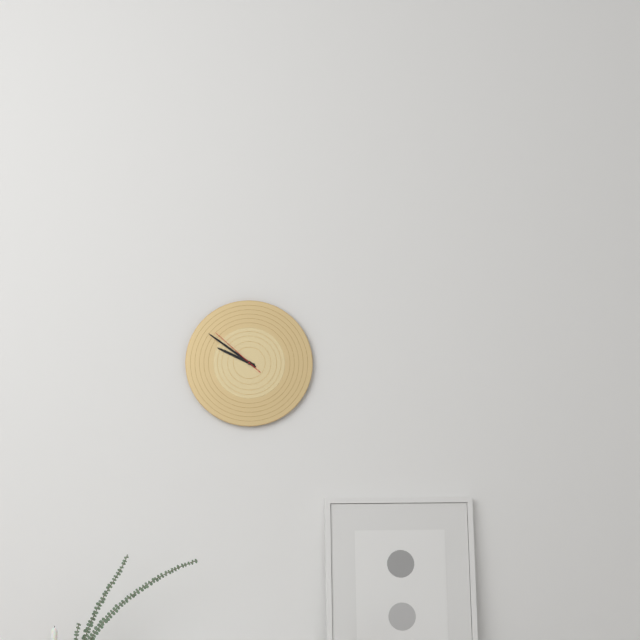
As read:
{"hour": 9, "minute": 51, "second": 52}
